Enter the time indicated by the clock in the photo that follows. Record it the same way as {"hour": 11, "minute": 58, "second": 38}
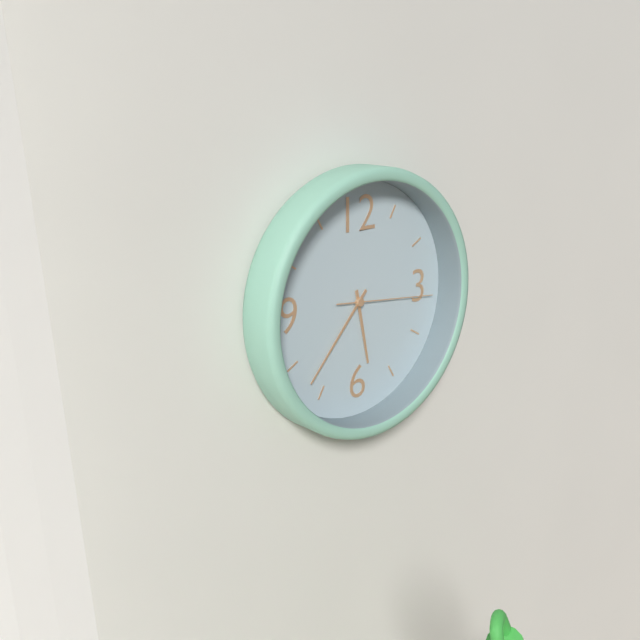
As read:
{"hour": 5, "minute": 37, "second": 16}
